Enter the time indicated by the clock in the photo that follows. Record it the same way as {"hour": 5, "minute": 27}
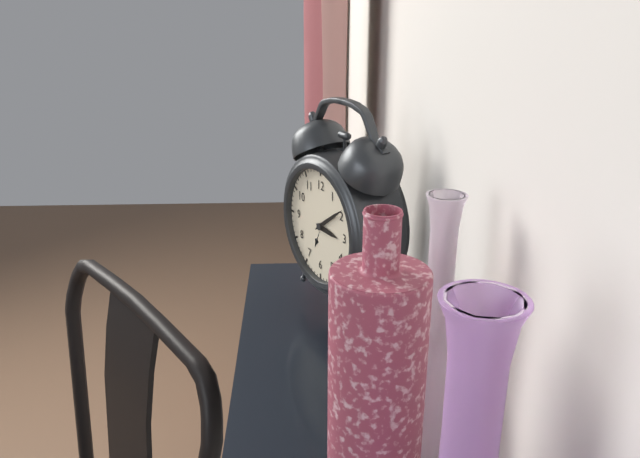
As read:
{"hour": 3, "minute": 9}
